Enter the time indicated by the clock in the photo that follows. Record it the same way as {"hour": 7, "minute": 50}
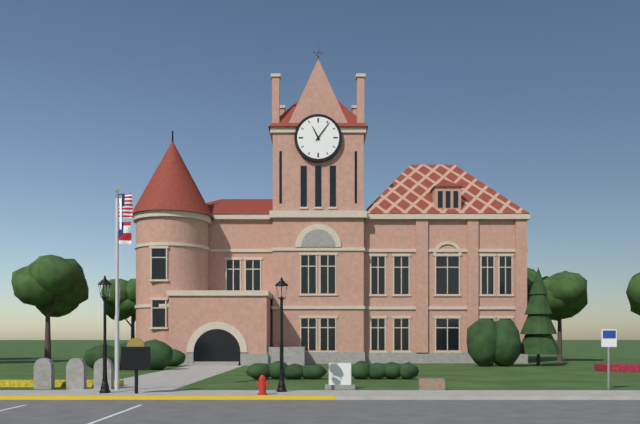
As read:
{"hour": 11, "minute": 6}
